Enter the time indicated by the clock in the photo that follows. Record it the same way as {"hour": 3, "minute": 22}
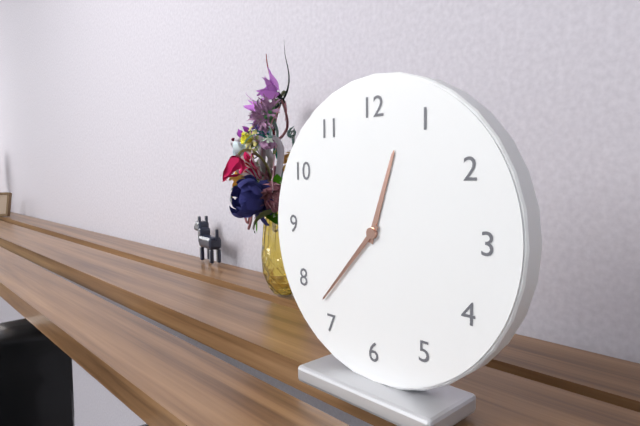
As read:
{"hour": 12, "minute": 37}
